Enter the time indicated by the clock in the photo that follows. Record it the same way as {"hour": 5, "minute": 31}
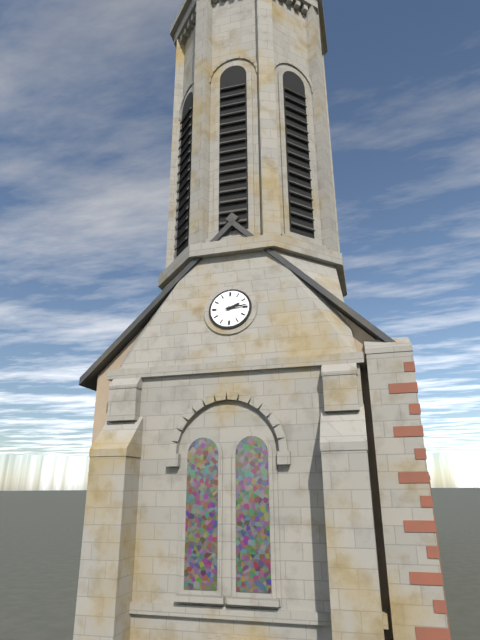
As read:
{"hour": 2, "minute": 14}
